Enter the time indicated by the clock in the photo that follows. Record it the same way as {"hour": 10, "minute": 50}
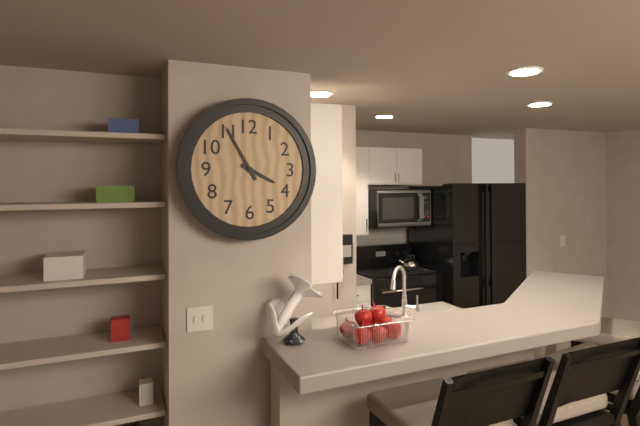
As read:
{"hour": 3, "minute": 55}
